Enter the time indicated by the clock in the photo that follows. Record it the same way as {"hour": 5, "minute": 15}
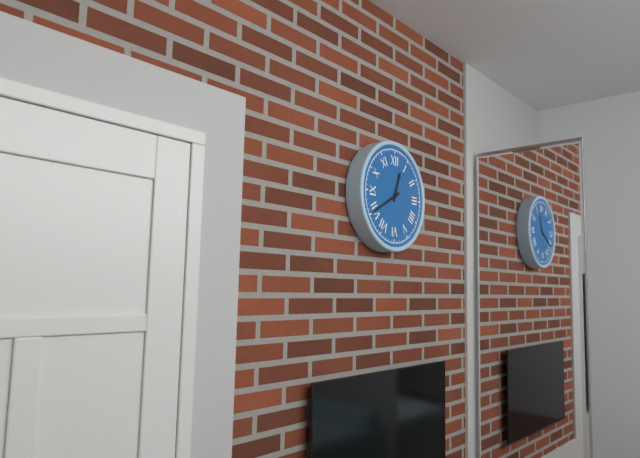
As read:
{"hour": 12, "minute": 40}
